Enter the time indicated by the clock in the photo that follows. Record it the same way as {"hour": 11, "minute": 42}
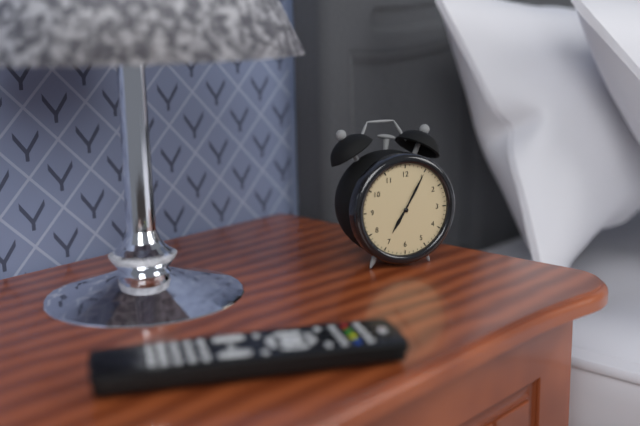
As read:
{"hour": 7, "minute": 5}
